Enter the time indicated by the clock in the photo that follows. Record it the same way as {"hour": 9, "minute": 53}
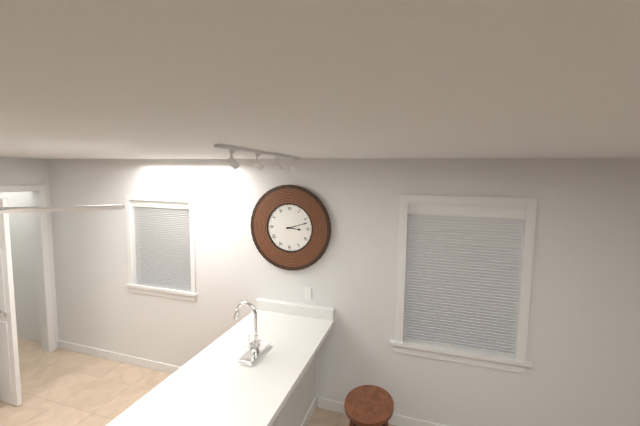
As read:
{"hour": 3, "minute": 12}
